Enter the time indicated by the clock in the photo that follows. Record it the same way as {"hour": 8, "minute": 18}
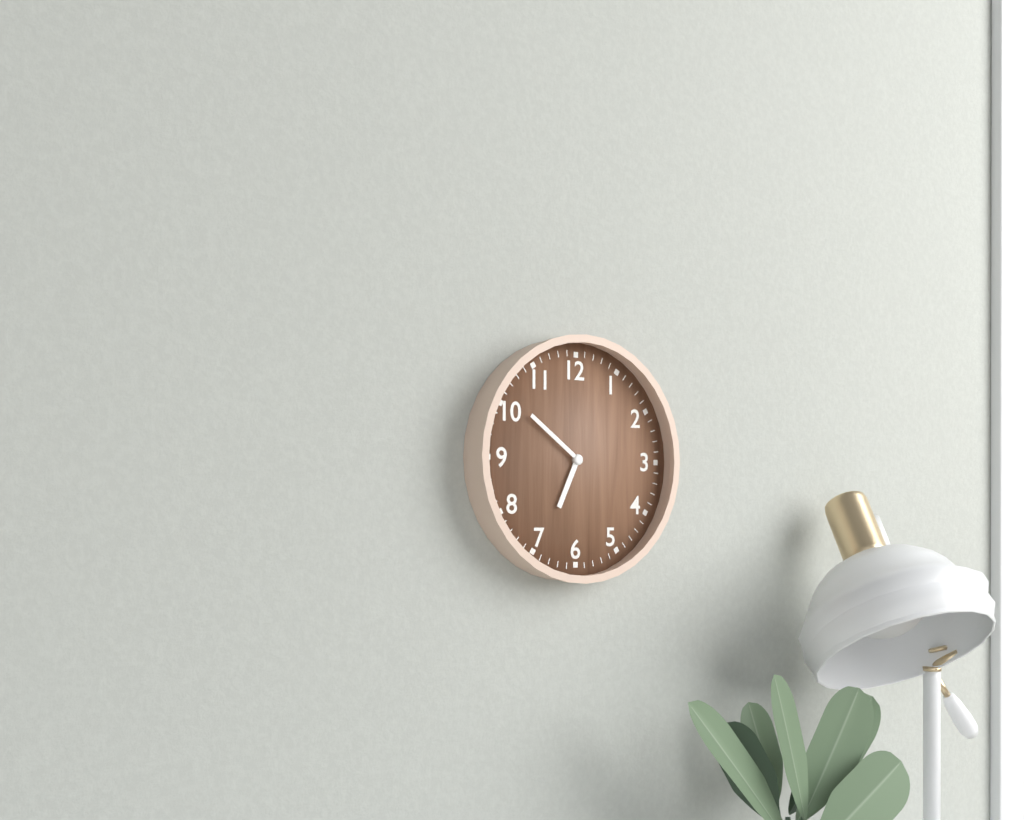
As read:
{"hour": 6, "minute": 51}
